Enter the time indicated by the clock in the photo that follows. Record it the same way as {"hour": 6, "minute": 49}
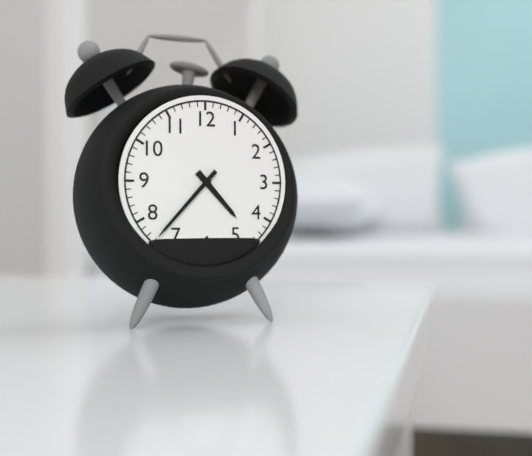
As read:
{"hour": 4, "minute": 37}
